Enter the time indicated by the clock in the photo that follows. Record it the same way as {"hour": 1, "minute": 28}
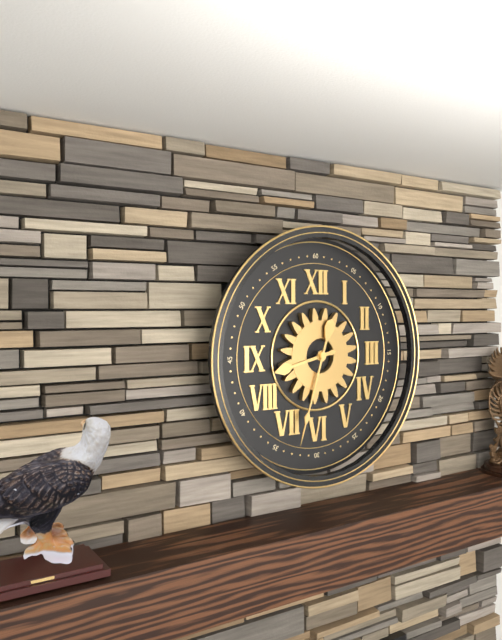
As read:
{"hour": 8, "minute": 33}
